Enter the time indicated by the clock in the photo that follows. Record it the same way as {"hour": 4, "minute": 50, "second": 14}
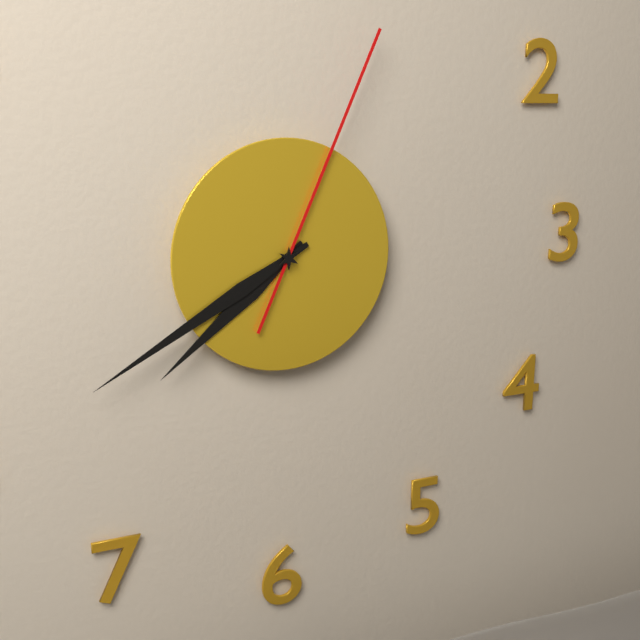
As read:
{"hour": 7, "minute": 40, "second": 4}
